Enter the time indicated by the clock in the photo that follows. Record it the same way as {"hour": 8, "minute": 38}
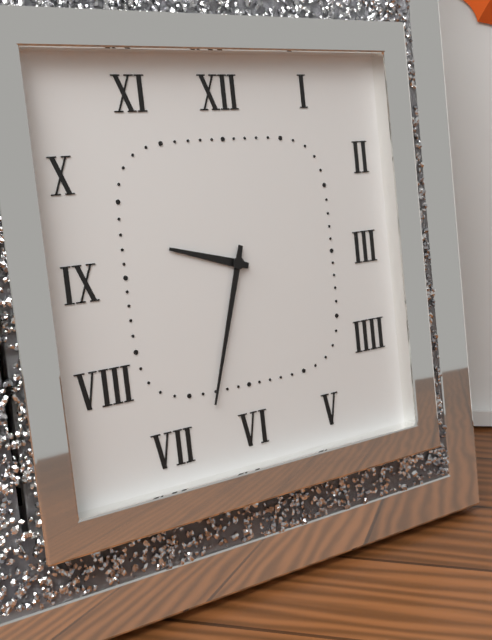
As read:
{"hour": 9, "minute": 33}
